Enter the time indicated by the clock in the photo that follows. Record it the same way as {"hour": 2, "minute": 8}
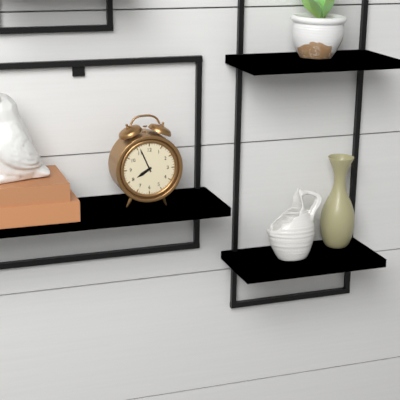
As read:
{"hour": 7, "minute": 56}
